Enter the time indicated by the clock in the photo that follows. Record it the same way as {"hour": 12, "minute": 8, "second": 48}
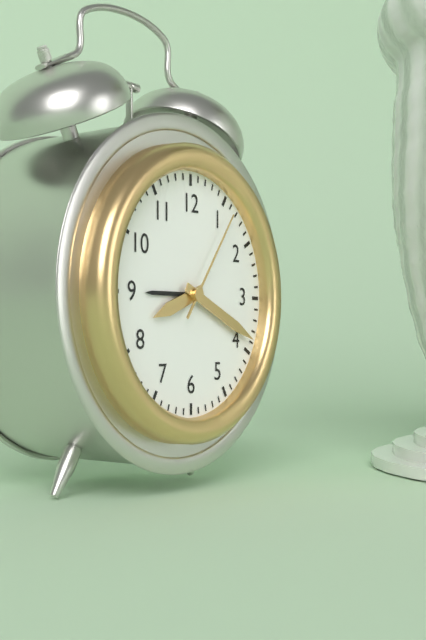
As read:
{"hour": 8, "minute": 19, "second": 6}
